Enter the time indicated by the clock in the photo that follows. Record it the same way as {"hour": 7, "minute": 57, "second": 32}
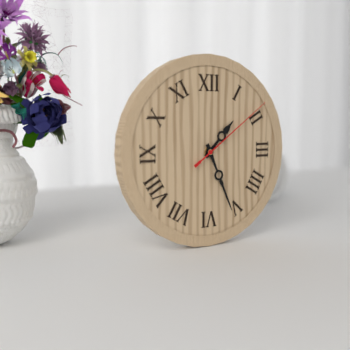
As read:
{"hour": 1, "minute": 26, "second": 9}
